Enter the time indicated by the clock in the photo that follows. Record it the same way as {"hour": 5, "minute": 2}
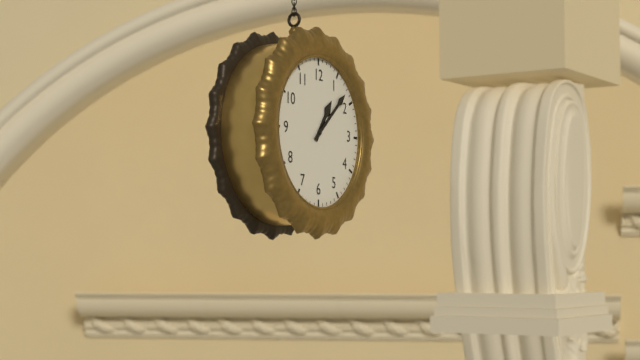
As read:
{"hour": 1, "minute": 8}
